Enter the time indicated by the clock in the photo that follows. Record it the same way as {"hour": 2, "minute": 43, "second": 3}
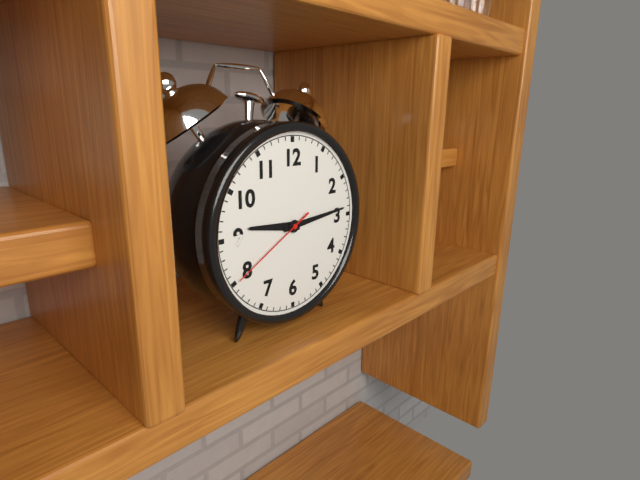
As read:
{"hour": 9, "minute": 14, "second": 40}
